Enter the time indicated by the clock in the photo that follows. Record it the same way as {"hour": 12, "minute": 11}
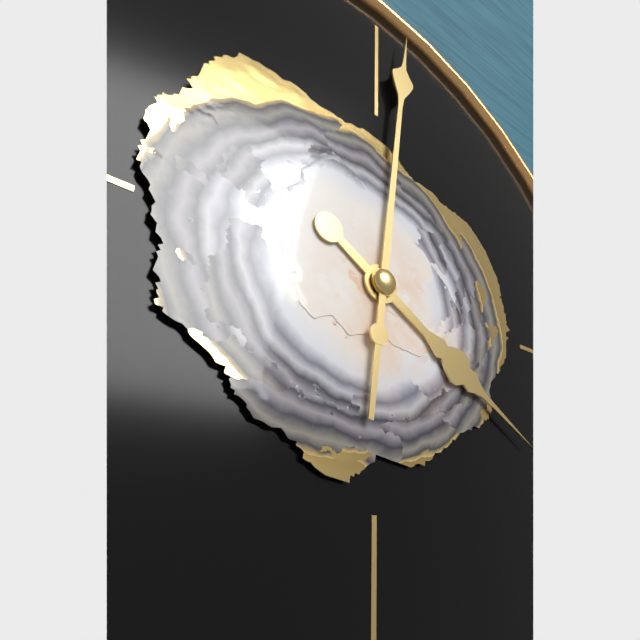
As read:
{"hour": 4, "minute": 1}
